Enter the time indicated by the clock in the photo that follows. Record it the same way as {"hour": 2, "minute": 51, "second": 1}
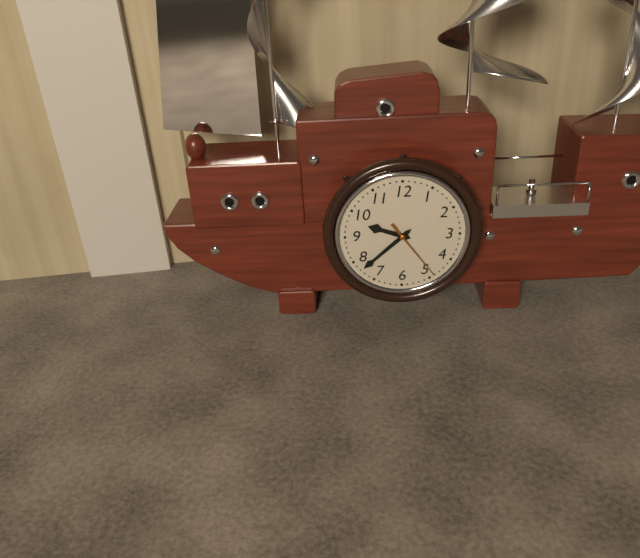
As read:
{"hour": 9, "minute": 38, "second": 24}
